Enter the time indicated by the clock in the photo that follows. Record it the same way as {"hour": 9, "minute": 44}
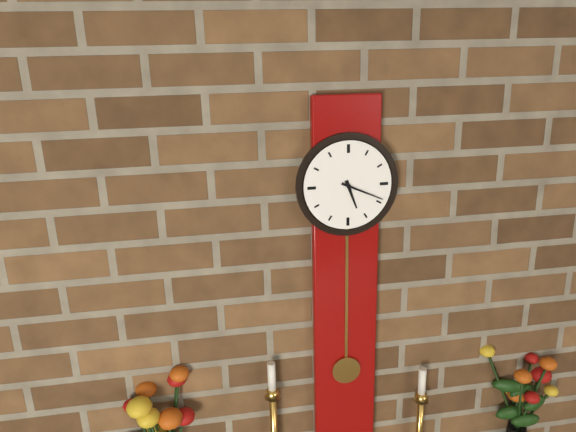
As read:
{"hour": 5, "minute": 19}
